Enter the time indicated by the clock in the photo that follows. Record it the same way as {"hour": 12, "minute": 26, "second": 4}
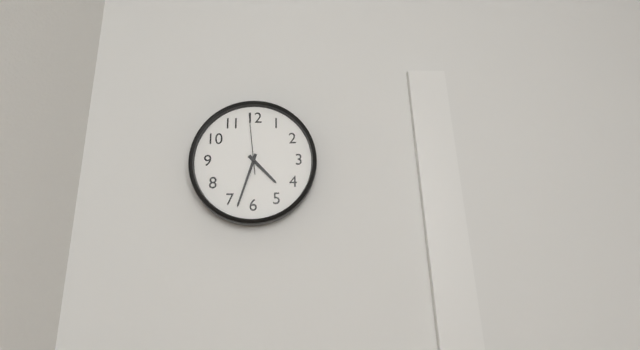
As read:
{"hour": 4, "minute": 33, "second": 59}
